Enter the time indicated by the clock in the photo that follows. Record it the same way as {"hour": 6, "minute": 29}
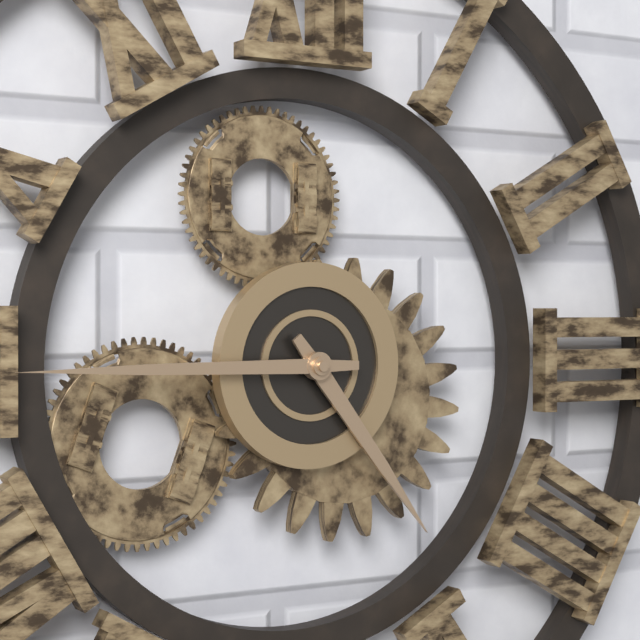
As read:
{"hour": 4, "minute": 45}
